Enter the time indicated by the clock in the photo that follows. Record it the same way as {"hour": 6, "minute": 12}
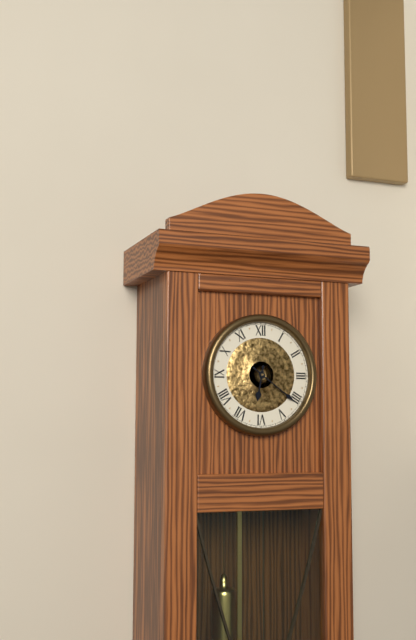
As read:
{"hour": 6, "minute": 21}
